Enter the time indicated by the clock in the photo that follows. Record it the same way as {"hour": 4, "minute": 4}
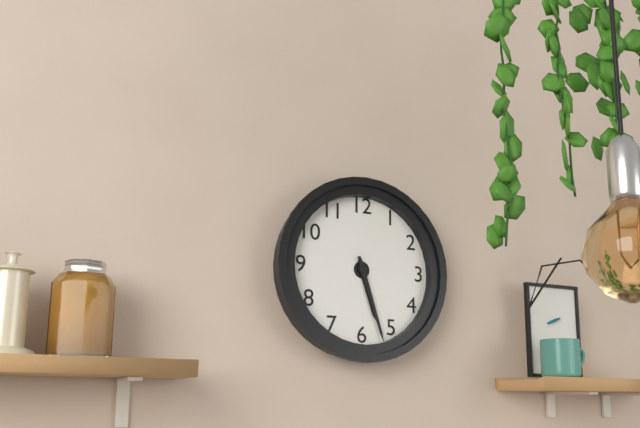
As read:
{"hour": 5, "minute": 27}
